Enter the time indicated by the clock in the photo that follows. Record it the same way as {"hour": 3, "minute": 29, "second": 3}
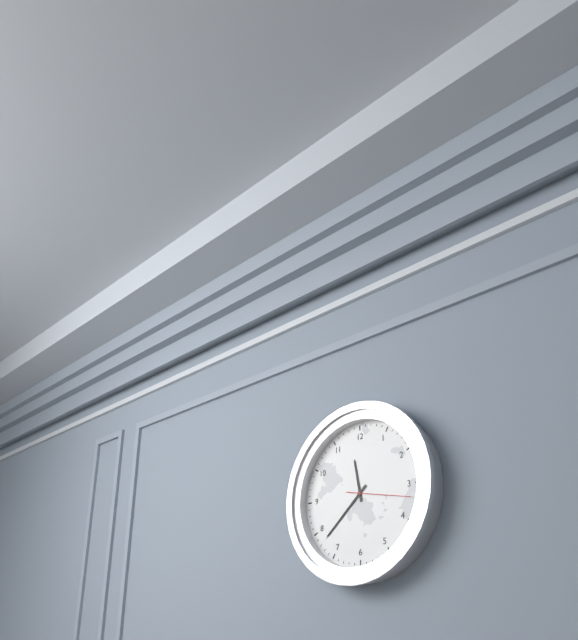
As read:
{"hour": 11, "minute": 38, "second": 17}
